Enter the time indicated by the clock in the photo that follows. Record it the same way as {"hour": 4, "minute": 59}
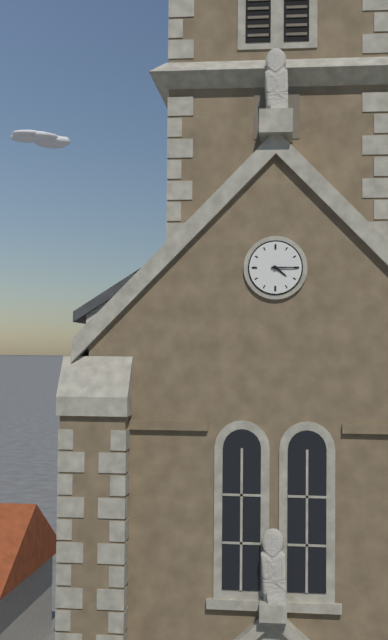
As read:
{"hour": 4, "minute": 15}
